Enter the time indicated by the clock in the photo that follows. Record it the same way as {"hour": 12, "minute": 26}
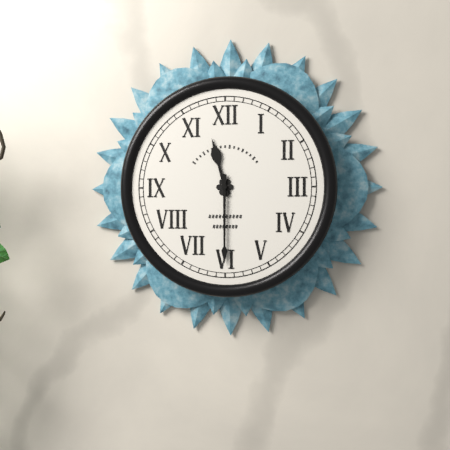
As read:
{"hour": 11, "minute": 30}
